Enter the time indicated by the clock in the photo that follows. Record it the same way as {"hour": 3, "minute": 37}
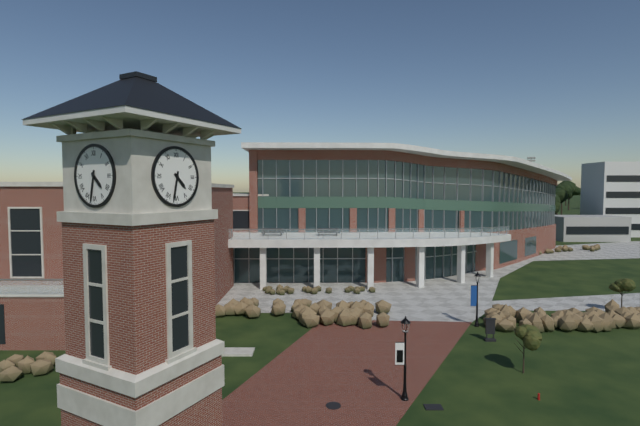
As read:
{"hour": 4, "minute": 32}
